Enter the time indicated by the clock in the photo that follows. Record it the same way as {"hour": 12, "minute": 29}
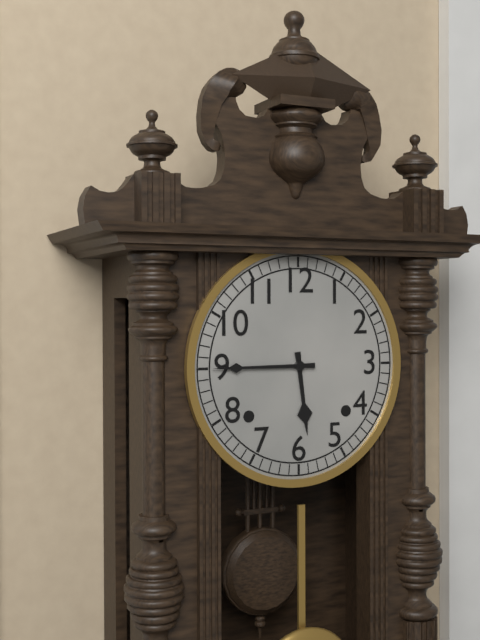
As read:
{"hour": 5, "minute": 45}
